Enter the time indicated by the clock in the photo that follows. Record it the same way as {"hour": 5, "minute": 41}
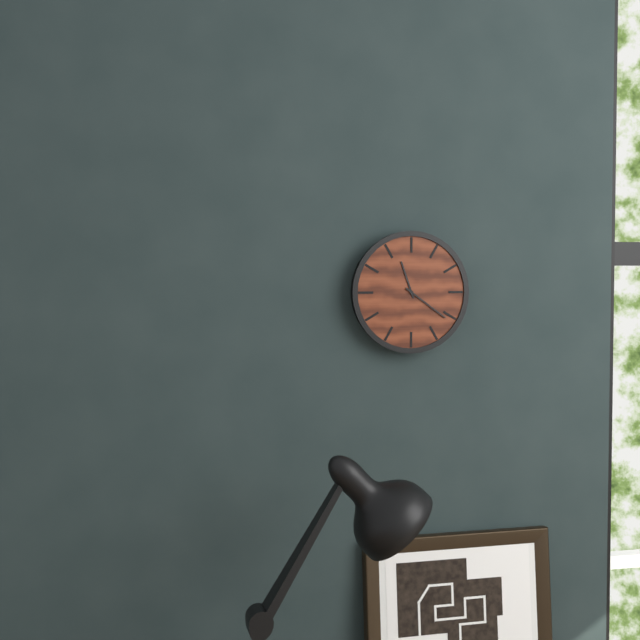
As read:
{"hour": 11, "minute": 21}
